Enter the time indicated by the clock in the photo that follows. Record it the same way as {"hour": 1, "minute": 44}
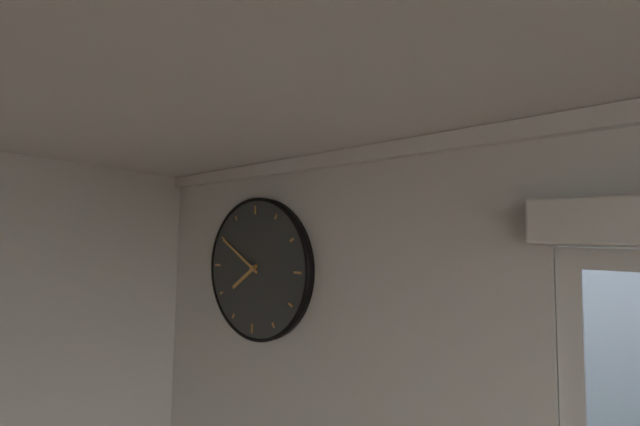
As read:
{"hour": 7, "minute": 50}
